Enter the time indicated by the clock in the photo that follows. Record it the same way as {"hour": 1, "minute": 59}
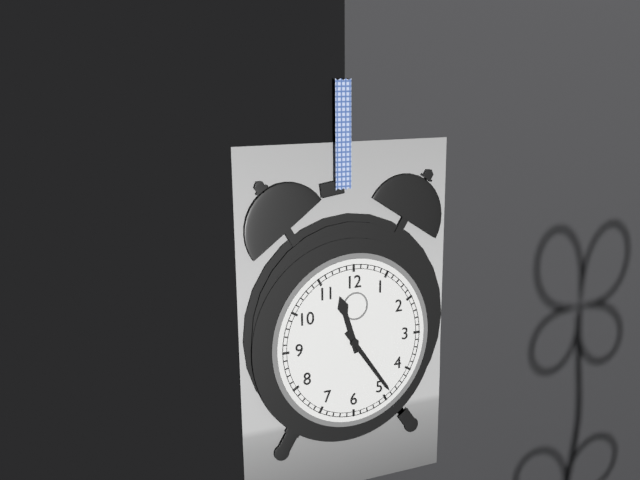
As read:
{"hour": 11, "minute": 24}
